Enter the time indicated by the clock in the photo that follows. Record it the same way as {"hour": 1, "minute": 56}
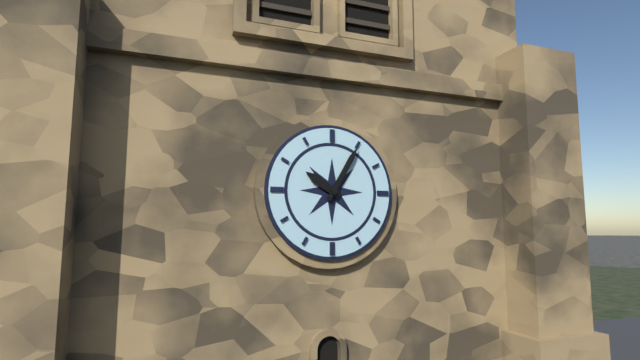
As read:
{"hour": 10, "minute": 5}
